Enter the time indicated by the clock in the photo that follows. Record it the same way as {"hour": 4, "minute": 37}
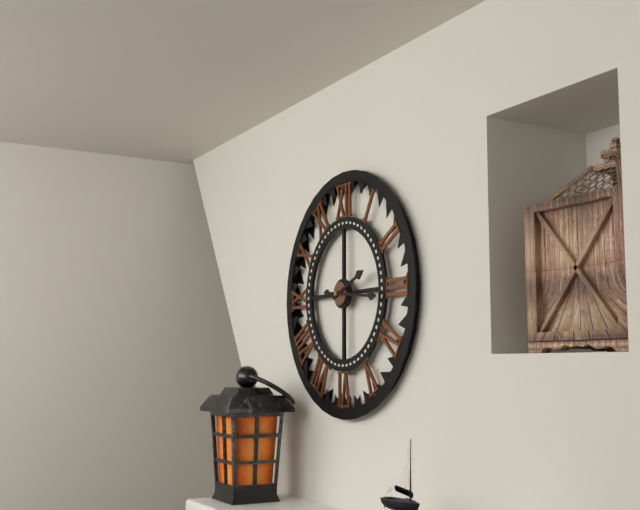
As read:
{"hour": 2, "minute": 16}
